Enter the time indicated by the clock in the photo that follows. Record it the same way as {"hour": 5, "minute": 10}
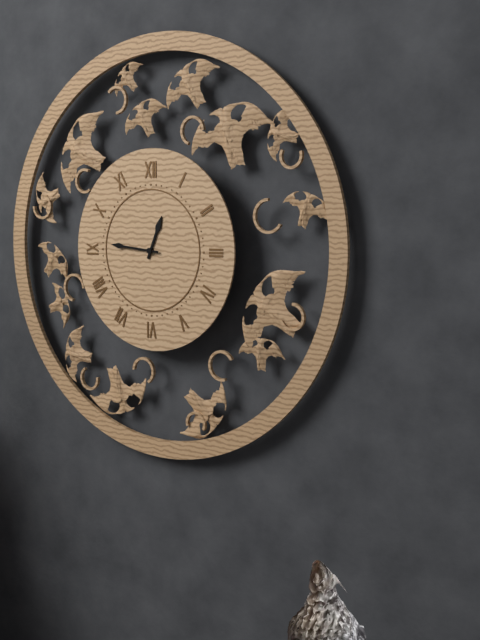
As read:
{"hour": 12, "minute": 46}
